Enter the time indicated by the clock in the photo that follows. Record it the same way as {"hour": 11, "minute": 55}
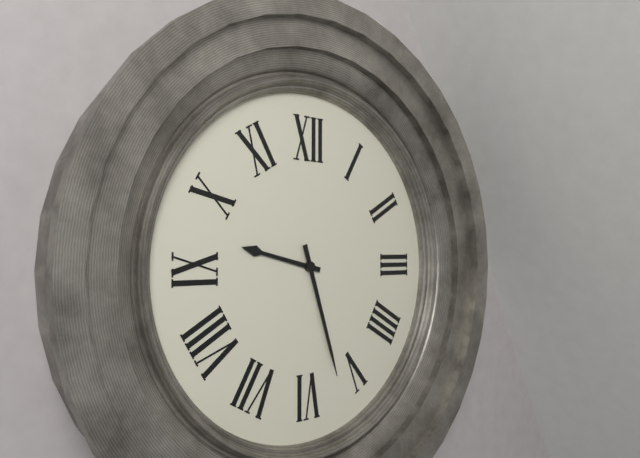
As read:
{"hour": 9, "minute": 27}
